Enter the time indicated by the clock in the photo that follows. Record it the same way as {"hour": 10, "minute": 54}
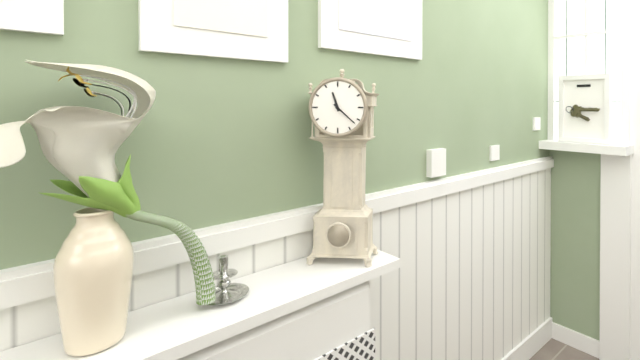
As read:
{"hour": 11, "minute": 22}
